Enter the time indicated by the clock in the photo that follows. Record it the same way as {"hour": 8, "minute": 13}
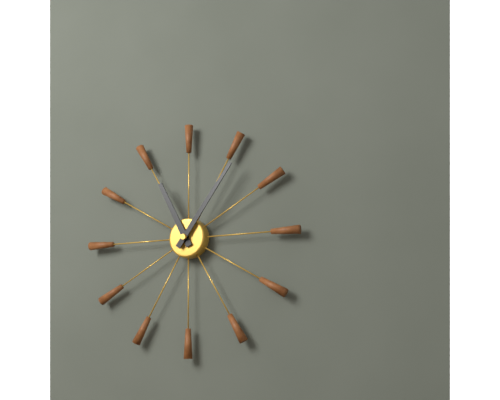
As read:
{"hour": 11, "minute": 6}
